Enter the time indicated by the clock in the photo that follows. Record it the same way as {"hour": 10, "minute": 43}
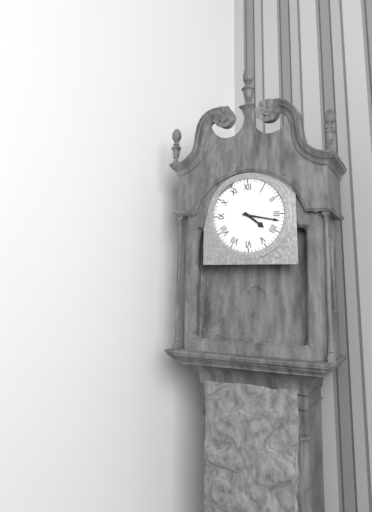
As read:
{"hour": 4, "minute": 17}
